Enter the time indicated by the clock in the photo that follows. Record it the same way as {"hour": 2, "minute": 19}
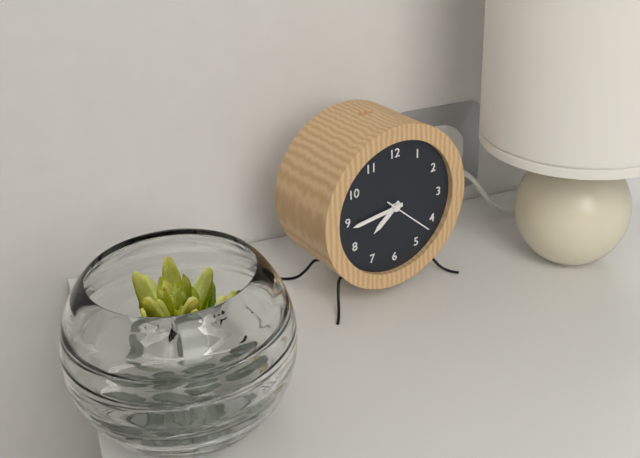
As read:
{"hour": 7, "minute": 44}
